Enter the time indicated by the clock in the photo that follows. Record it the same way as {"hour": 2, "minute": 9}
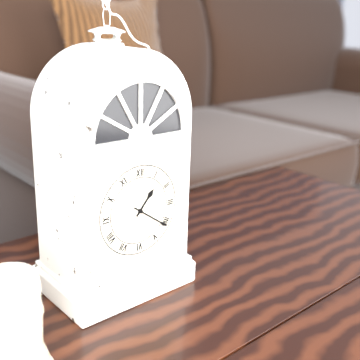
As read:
{"hour": 1, "minute": 21}
